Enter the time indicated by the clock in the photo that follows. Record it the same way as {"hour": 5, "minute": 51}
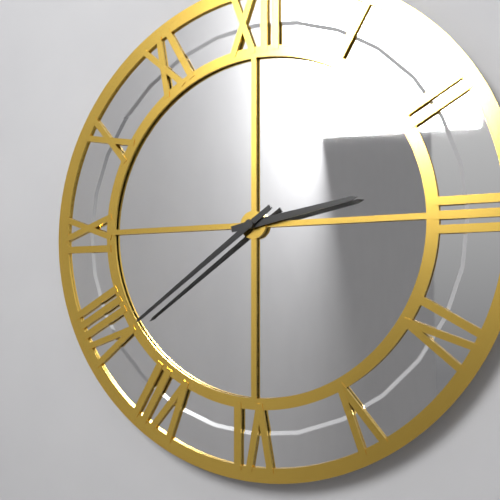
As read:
{"hour": 2, "minute": 39}
